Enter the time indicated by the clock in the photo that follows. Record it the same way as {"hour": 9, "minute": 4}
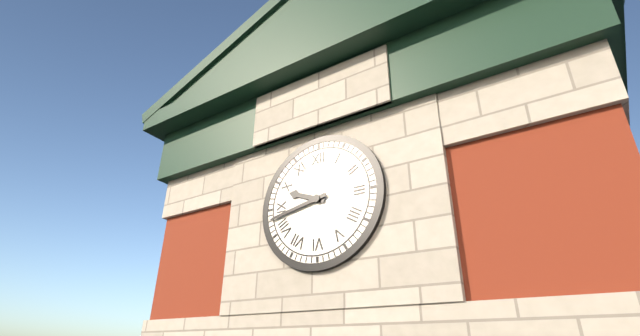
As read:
{"hour": 9, "minute": 43}
